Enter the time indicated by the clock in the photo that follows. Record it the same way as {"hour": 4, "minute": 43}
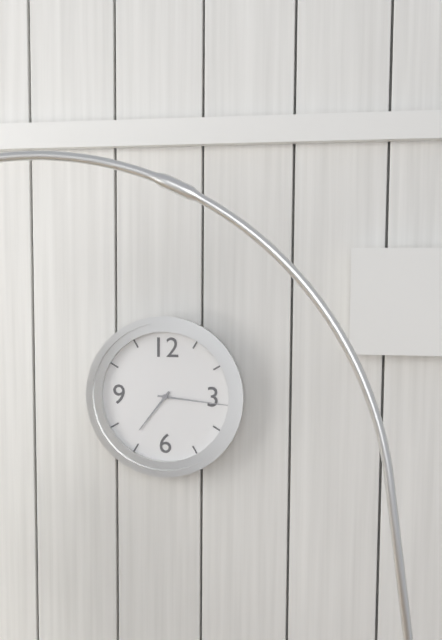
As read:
{"hour": 7, "minute": 16}
